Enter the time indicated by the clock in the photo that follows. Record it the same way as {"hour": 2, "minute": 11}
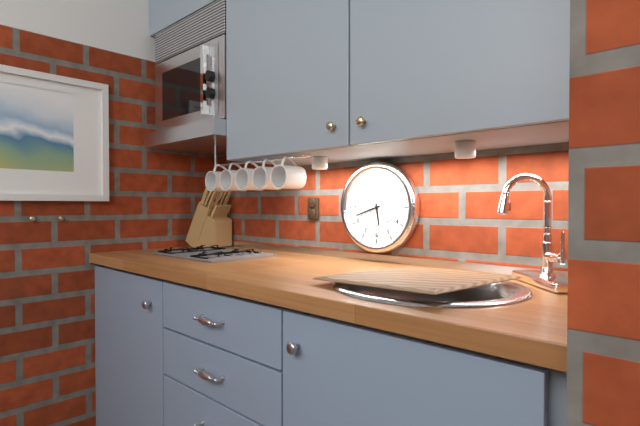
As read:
{"hour": 5, "minute": 42}
